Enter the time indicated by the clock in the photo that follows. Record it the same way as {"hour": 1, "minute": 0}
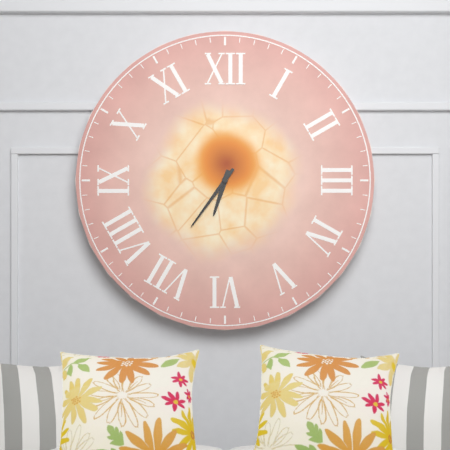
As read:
{"hour": 6, "minute": 36}
